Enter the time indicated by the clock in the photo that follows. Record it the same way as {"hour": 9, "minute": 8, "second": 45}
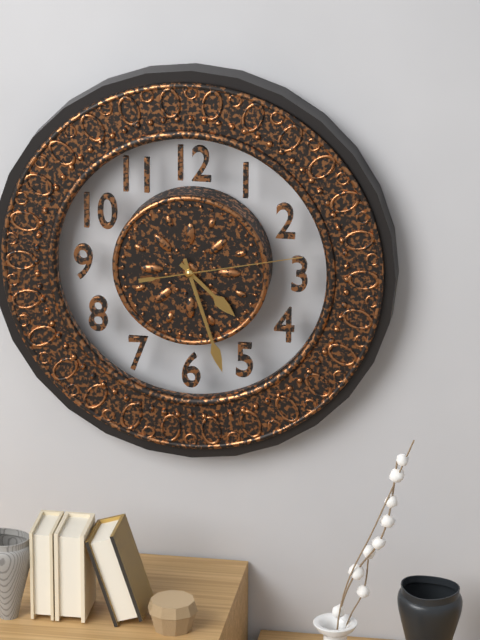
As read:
{"hour": 4, "minute": 27, "second": 13}
